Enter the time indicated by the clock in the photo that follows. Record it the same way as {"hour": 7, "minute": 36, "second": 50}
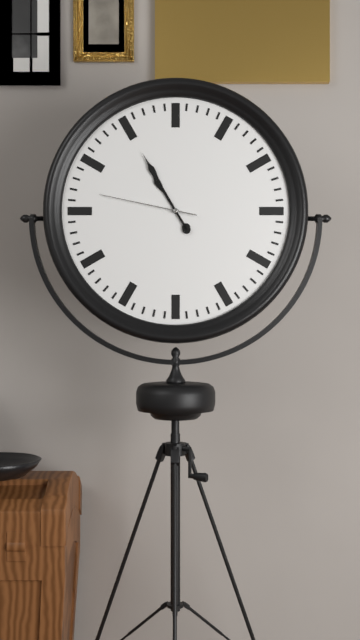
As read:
{"hour": 10, "minute": 55, "second": 47}
